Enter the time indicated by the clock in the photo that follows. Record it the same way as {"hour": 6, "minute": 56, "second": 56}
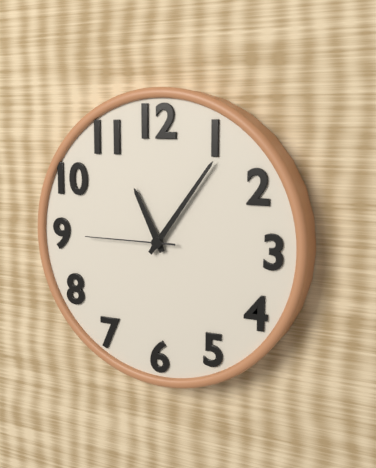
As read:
{"hour": 11, "minute": 6, "second": 45}
